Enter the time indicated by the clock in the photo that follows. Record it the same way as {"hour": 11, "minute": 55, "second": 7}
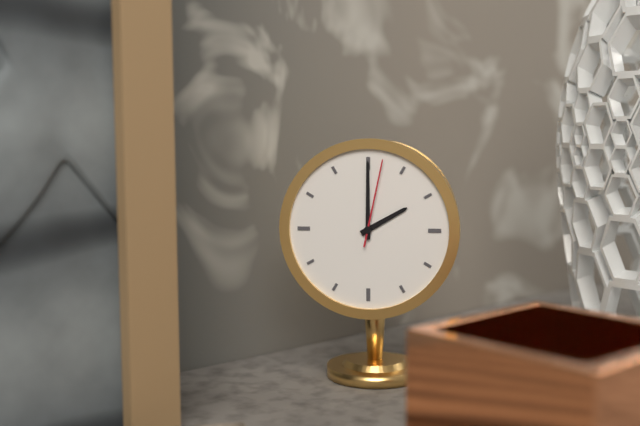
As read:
{"hour": 2, "minute": 0, "second": 2}
